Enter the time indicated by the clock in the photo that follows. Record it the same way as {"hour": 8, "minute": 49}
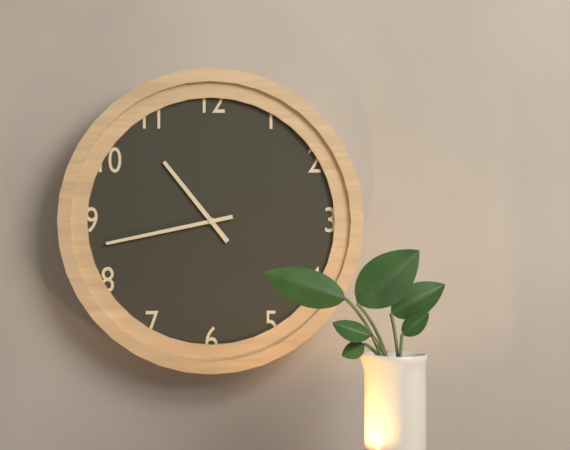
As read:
{"hour": 10, "minute": 43}
